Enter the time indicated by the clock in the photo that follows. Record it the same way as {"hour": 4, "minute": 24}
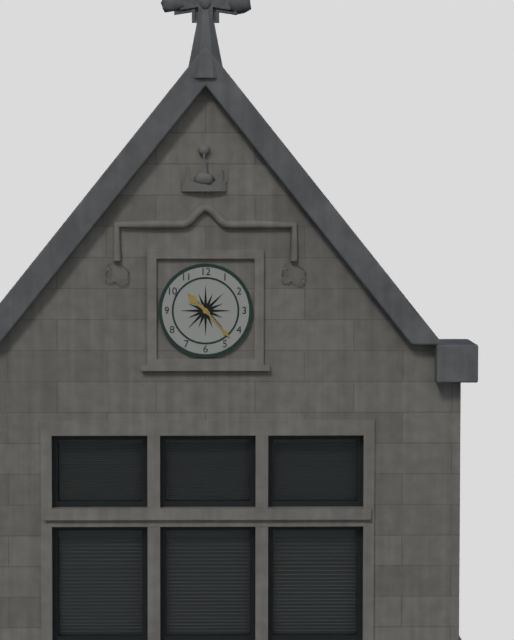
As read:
{"hour": 10, "minute": 23}
